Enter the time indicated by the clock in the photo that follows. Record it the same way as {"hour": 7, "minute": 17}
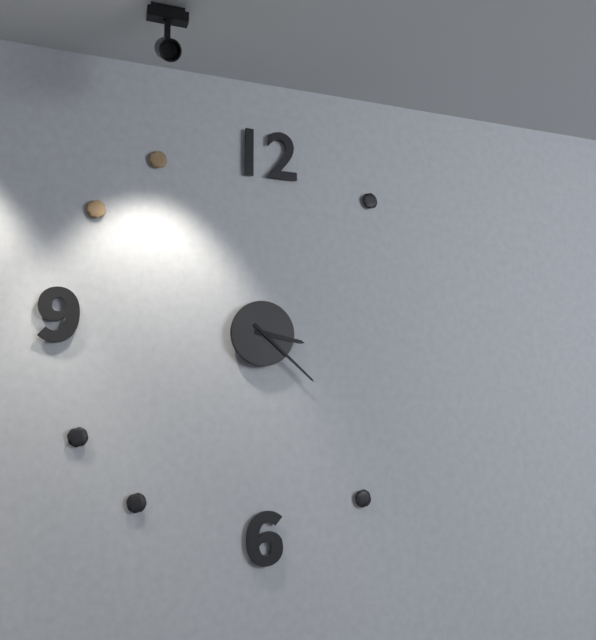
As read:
{"hour": 3, "minute": 22}
